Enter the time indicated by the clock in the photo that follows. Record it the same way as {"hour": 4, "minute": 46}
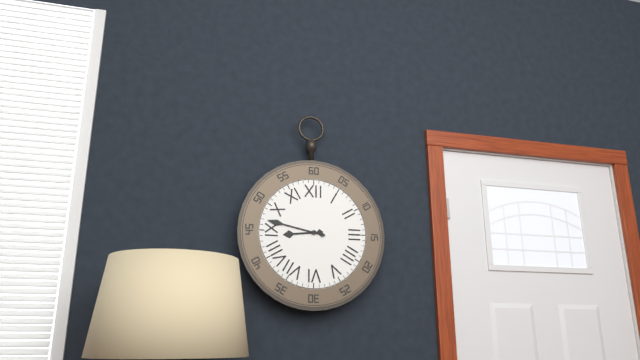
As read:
{"hour": 8, "minute": 47}
